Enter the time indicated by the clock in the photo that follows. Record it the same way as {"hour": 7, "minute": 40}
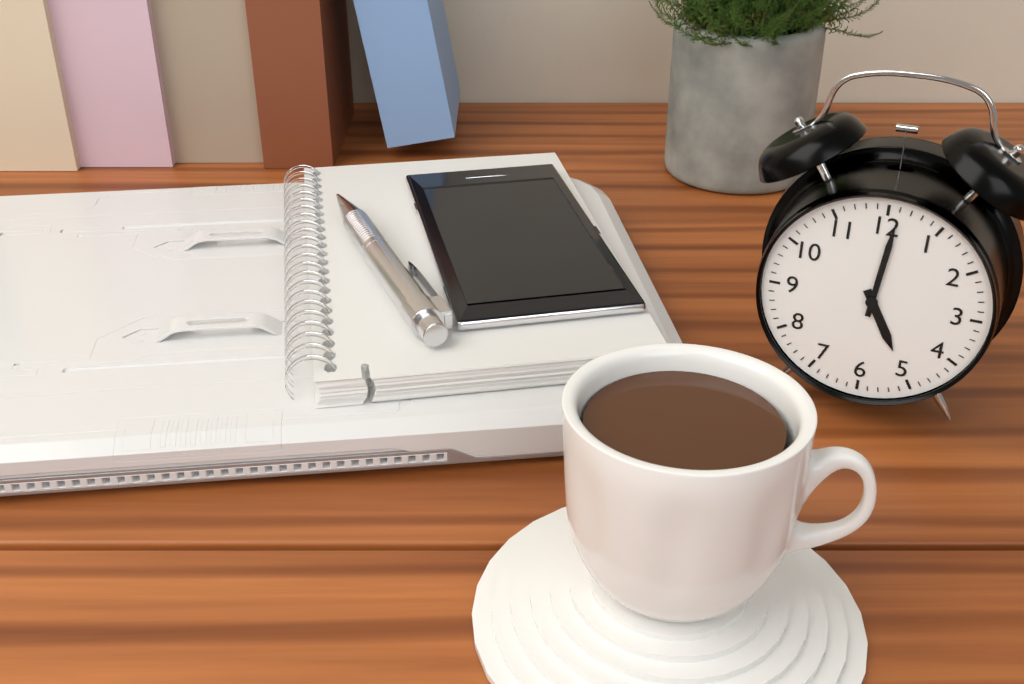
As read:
{"hour": 5, "minute": 1}
